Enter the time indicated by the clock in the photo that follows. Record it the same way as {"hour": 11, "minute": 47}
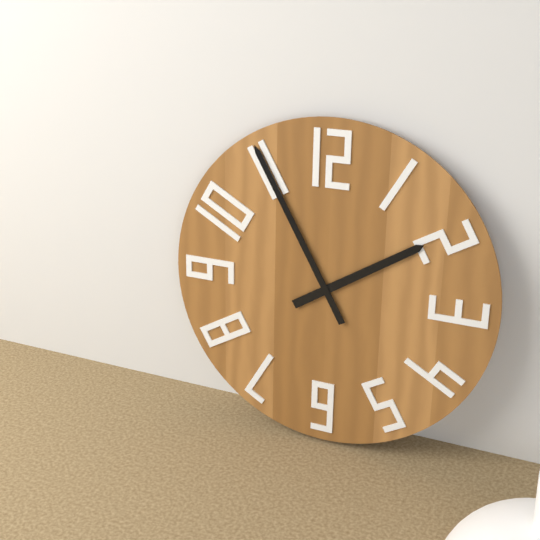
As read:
{"hour": 1, "minute": 55}
